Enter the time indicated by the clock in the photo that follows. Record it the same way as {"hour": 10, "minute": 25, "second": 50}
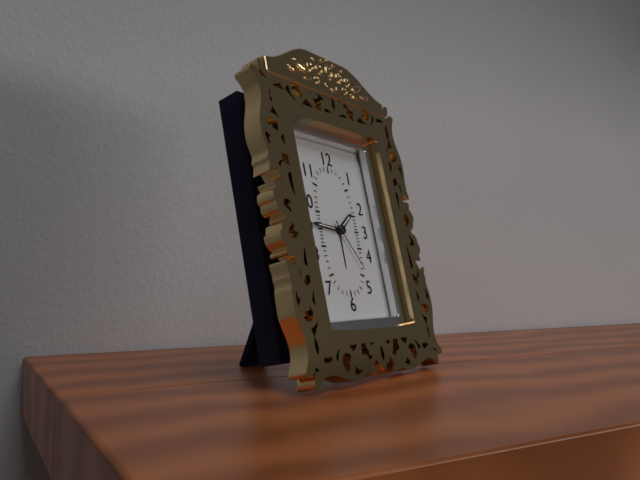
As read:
{"hour": 1, "minute": 46, "second": 24}
